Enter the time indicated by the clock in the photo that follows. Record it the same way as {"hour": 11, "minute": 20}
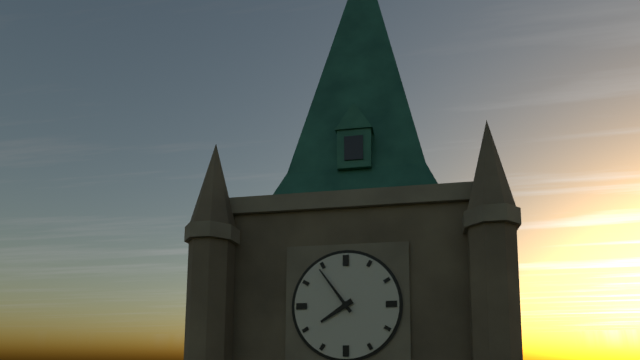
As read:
{"hour": 7, "minute": 54}
